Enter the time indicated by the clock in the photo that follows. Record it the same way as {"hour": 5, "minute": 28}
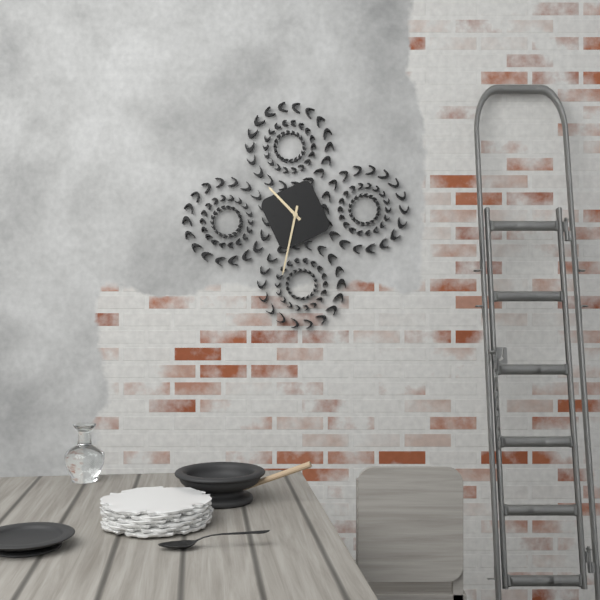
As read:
{"hour": 10, "minute": 32}
